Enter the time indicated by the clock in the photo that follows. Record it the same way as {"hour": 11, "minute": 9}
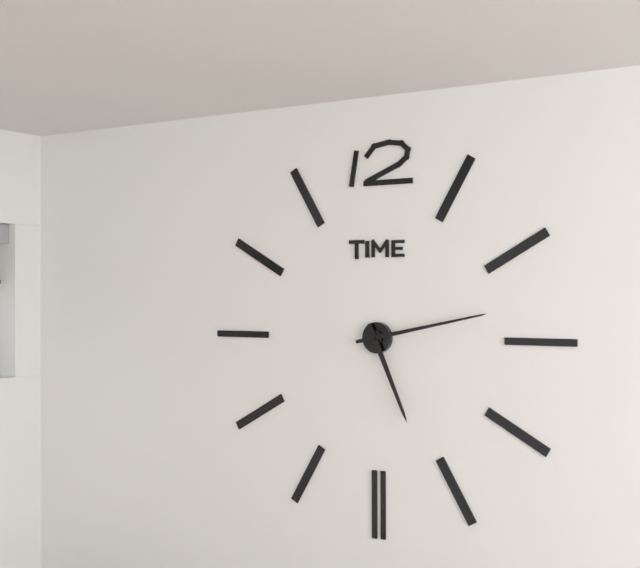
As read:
{"hour": 5, "minute": 13}
